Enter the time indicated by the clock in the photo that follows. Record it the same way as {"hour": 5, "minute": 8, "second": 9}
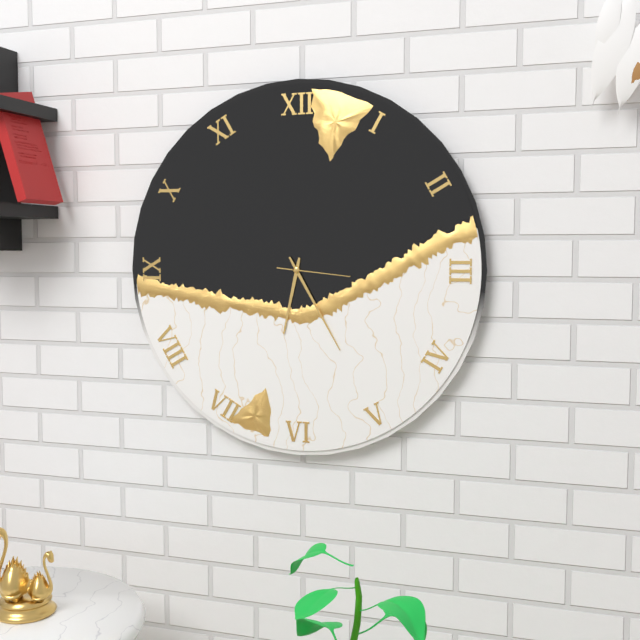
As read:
{"hour": 6, "minute": 25, "second": 16}
